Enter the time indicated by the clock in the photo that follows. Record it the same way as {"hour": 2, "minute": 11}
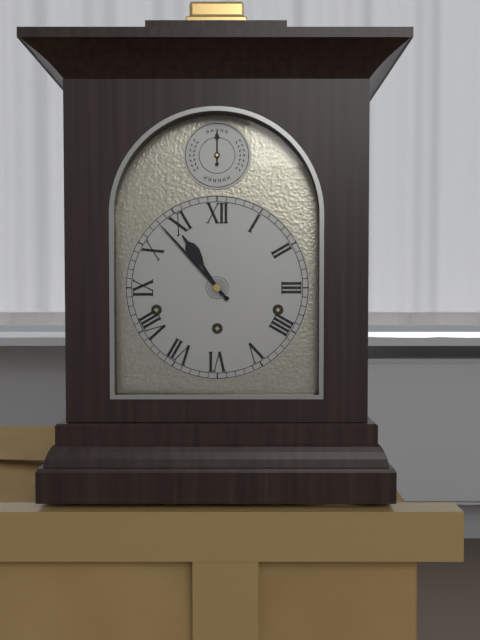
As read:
{"hour": 10, "minute": 53}
